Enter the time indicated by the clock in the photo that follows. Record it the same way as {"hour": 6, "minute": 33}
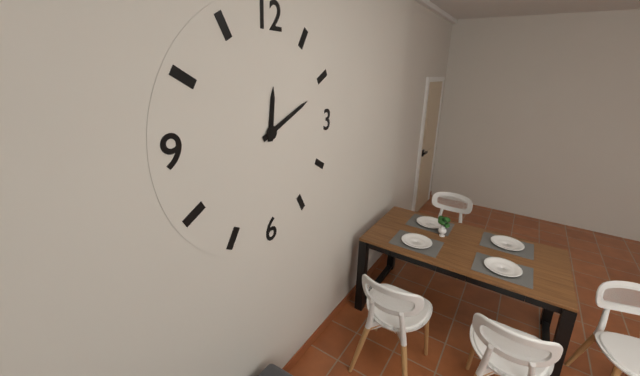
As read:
{"hour": 12, "minute": 11}
